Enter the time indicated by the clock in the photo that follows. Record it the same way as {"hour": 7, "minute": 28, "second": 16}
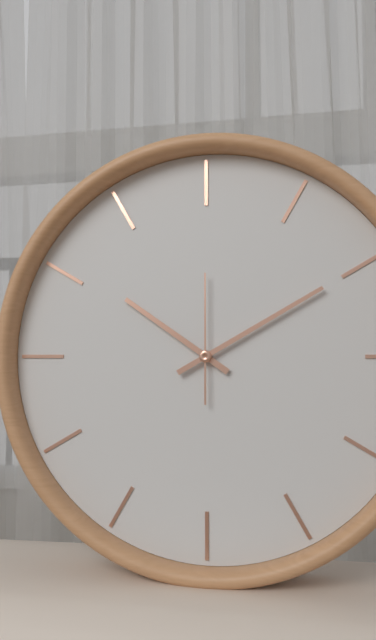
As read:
{"hour": 10, "minute": 10, "second": 0}
